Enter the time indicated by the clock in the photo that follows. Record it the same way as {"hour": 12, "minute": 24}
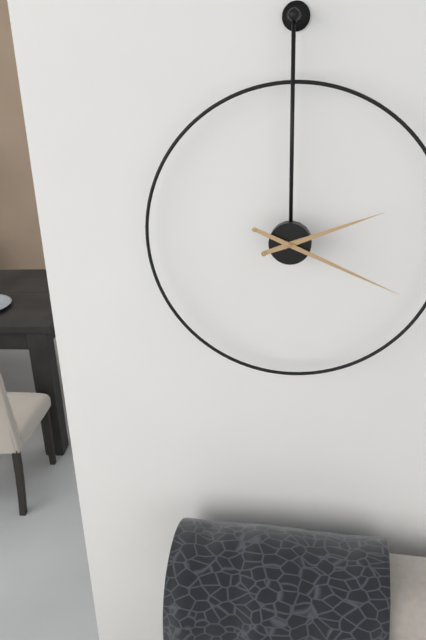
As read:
{"hour": 2, "minute": 19}
